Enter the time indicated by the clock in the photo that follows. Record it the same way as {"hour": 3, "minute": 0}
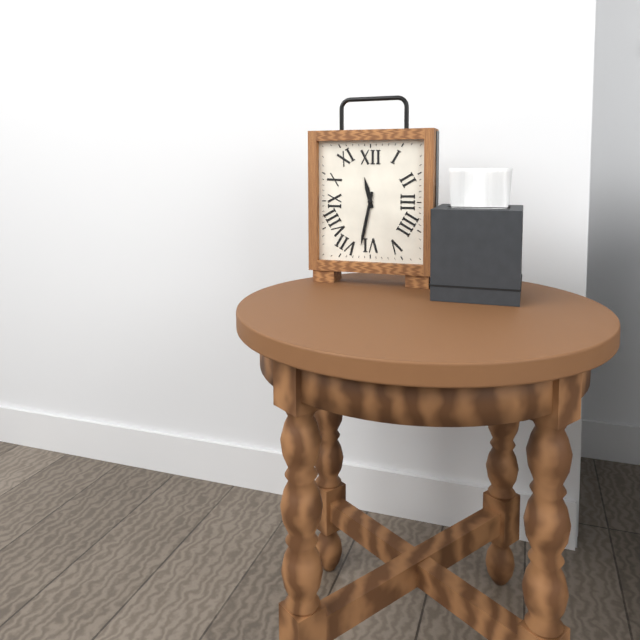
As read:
{"hour": 11, "minute": 32}
